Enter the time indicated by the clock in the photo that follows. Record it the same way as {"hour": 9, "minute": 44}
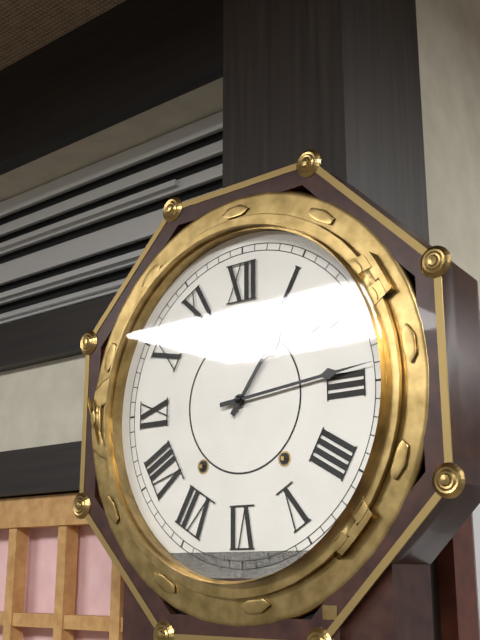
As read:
{"hour": 1, "minute": 14}
